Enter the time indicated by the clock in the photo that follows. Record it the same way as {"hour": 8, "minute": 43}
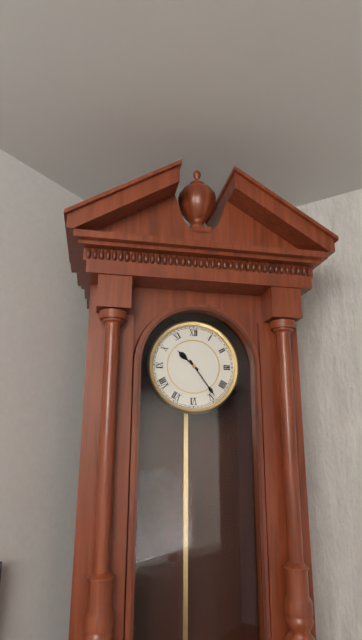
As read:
{"hour": 10, "minute": 24}
